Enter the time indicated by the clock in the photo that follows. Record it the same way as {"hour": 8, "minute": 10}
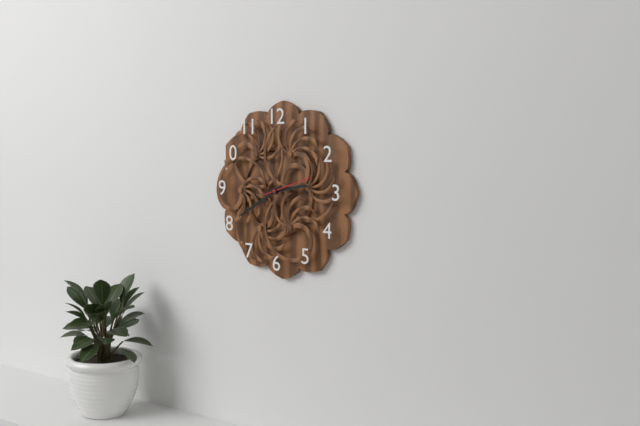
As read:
{"hour": 2, "minute": 40}
